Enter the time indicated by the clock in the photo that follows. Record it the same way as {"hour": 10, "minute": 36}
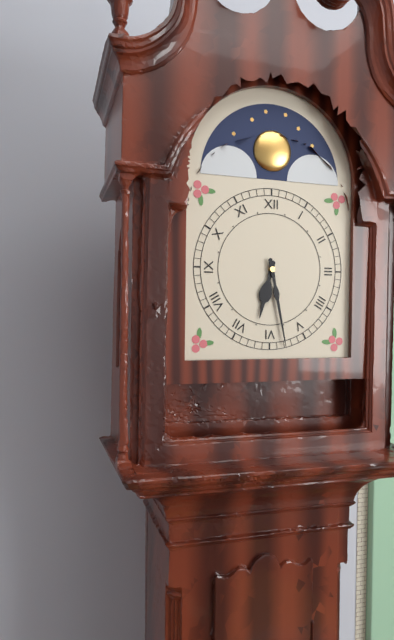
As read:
{"hour": 6, "minute": 28}
